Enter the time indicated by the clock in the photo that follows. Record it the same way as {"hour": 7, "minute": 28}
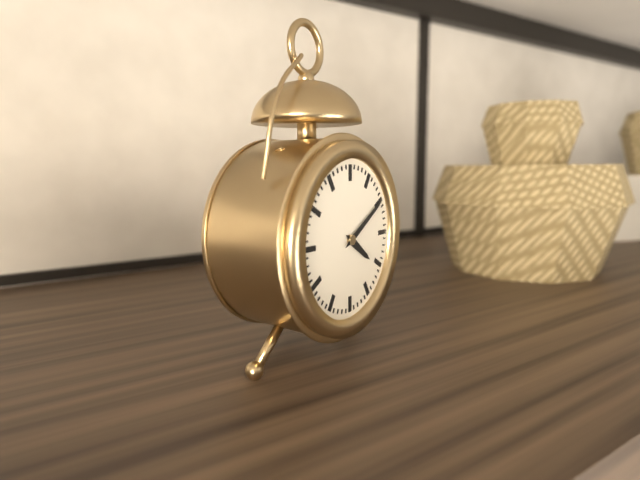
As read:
{"hour": 4, "minute": 10}
